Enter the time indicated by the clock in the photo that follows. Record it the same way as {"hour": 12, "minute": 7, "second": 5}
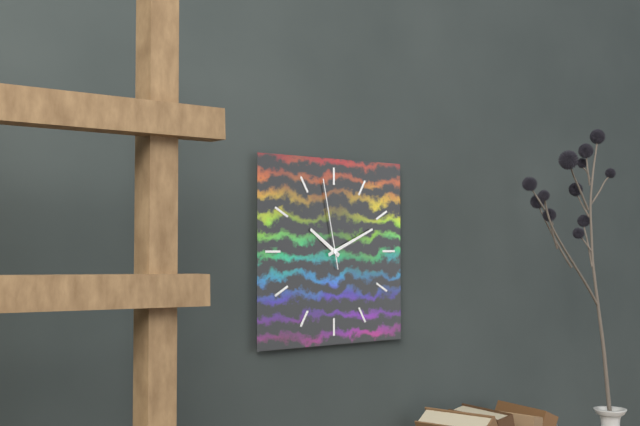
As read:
{"hour": 10, "minute": 11, "second": 58}
